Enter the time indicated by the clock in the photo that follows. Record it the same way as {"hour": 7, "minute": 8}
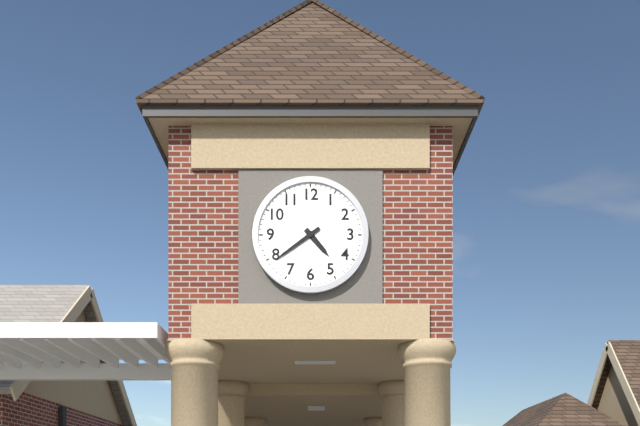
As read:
{"hour": 4, "minute": 39}
